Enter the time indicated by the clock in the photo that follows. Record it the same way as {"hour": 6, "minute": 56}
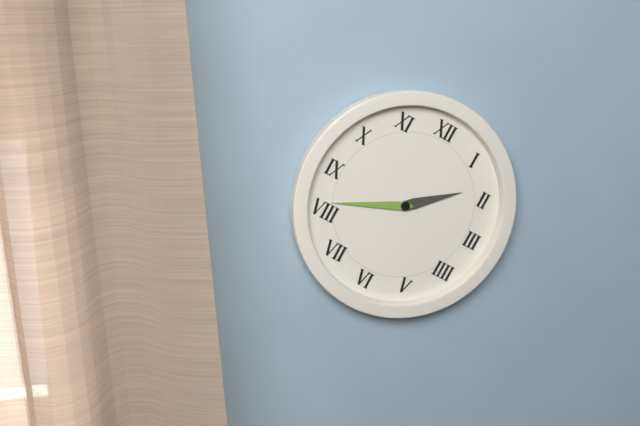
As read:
{"hour": 1, "minute": 41}
